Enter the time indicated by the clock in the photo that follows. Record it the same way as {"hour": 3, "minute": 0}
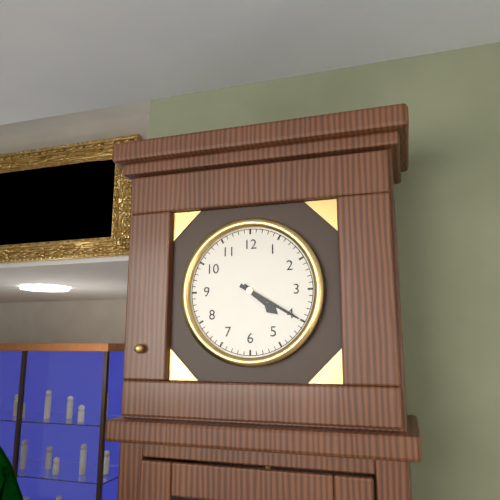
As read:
{"hour": 4, "minute": 20}
